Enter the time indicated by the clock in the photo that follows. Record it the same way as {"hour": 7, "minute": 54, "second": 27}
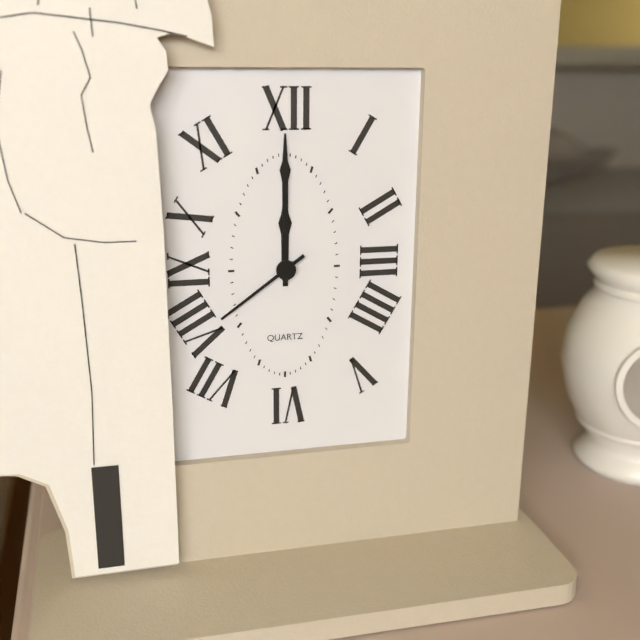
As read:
{"hour": 12, "minute": 0, "second": 39}
